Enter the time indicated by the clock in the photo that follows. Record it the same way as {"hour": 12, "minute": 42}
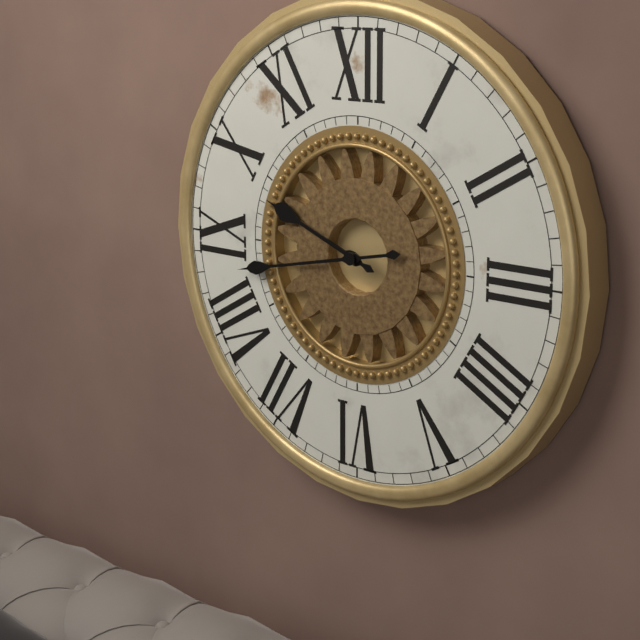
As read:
{"hour": 9, "minute": 43}
